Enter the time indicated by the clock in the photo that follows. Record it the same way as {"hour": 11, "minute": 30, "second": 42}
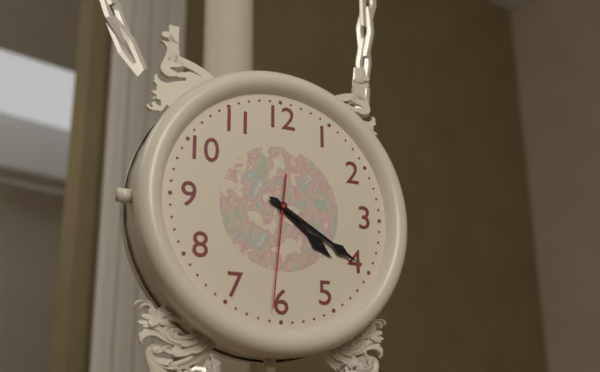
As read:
{"hour": 4, "minute": 20, "second": 31}
